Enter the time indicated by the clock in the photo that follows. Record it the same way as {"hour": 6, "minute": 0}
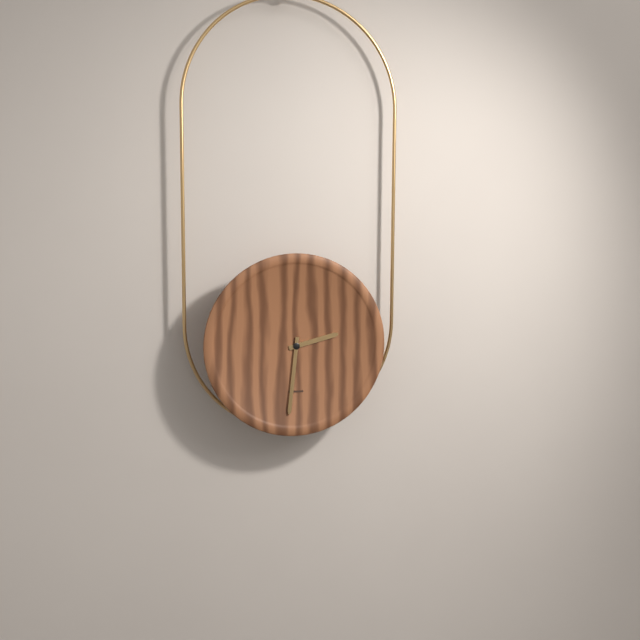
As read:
{"hour": 2, "minute": 31}
